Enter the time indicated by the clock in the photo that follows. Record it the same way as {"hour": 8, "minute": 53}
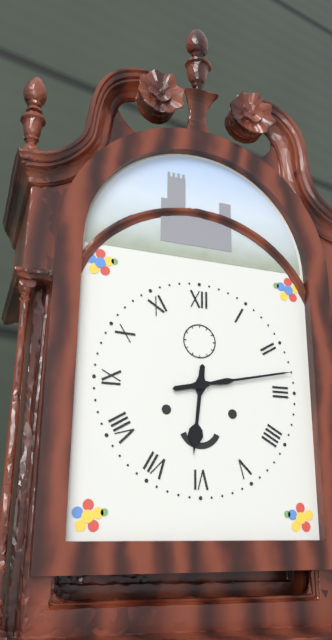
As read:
{"hour": 6, "minute": 13}
